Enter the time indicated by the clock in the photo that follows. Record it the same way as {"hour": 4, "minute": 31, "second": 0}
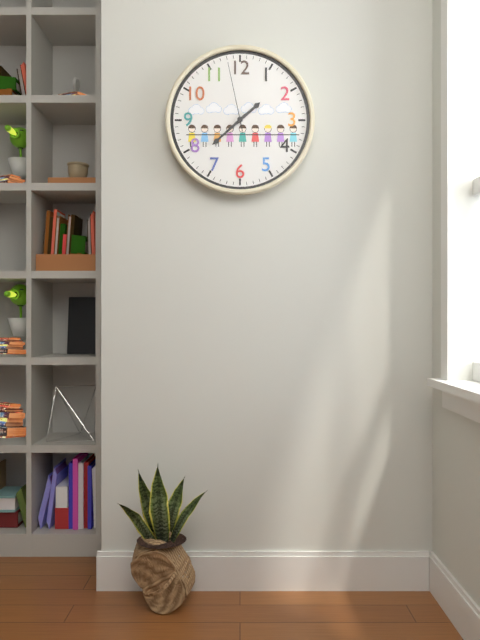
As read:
{"hour": 1, "minute": 38, "second": 58}
